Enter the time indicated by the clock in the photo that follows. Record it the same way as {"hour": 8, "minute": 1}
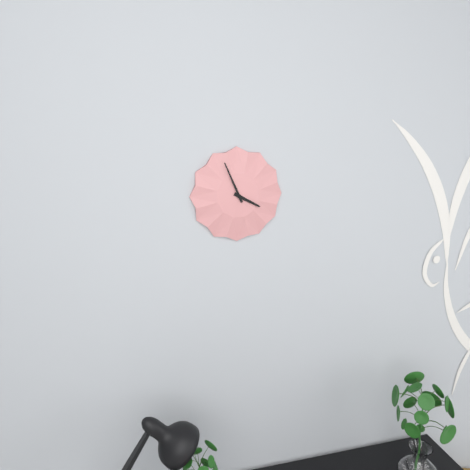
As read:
{"hour": 3, "minute": 56}
